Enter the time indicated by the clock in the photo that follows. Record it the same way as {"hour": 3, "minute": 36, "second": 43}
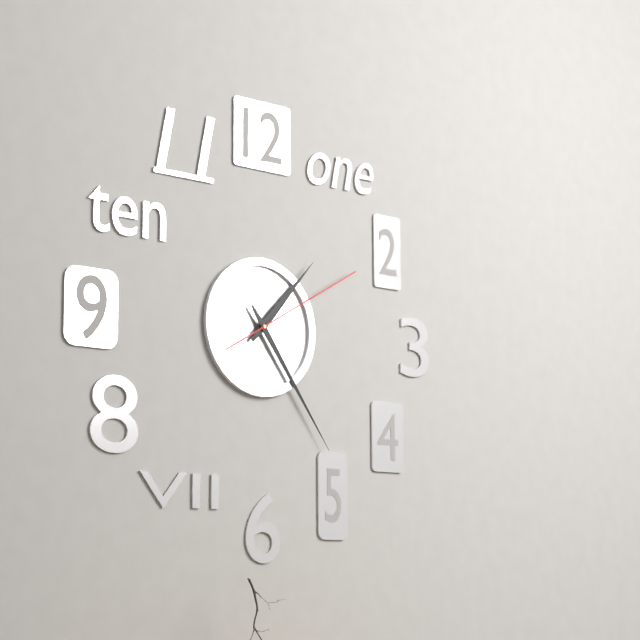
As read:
{"hour": 1, "minute": 24, "second": 10}
